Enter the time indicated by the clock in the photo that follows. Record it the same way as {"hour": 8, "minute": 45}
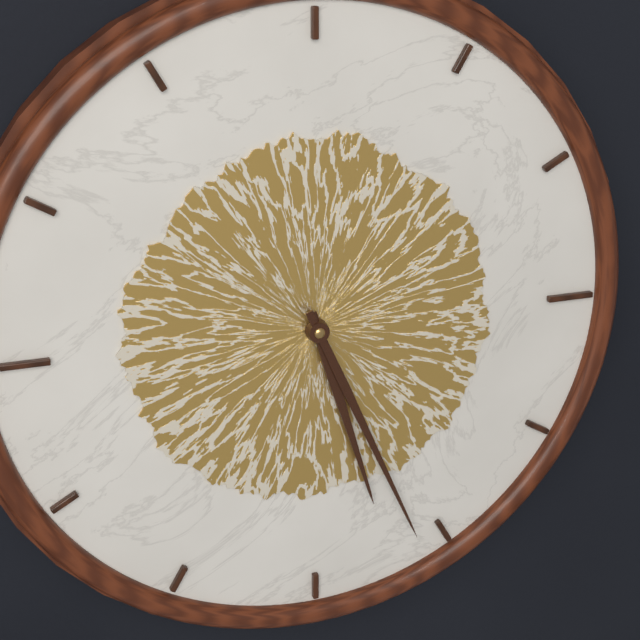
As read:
{"hour": 5, "minute": 26}
